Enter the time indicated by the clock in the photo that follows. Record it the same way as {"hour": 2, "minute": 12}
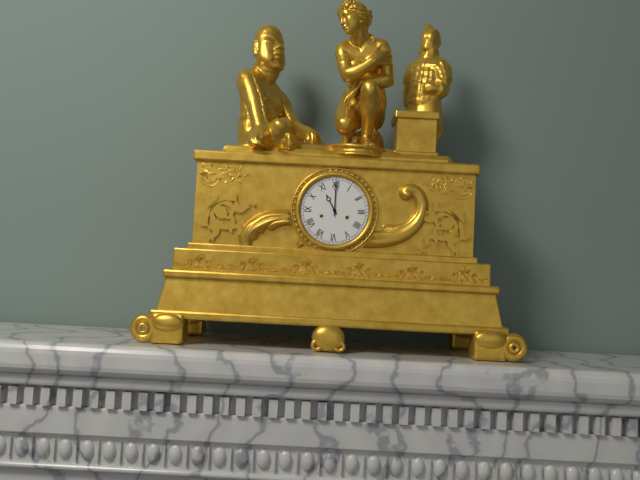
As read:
{"hour": 11, "minute": 0}
